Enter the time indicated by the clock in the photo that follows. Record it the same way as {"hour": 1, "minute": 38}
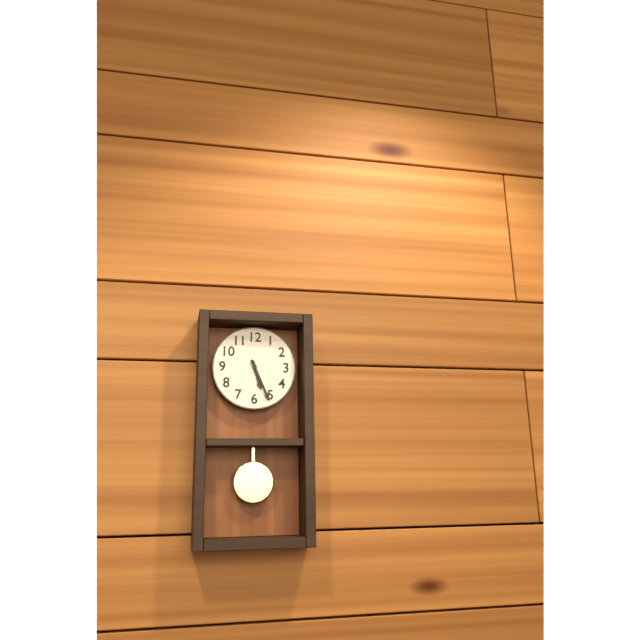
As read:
{"hour": 5, "minute": 26}
